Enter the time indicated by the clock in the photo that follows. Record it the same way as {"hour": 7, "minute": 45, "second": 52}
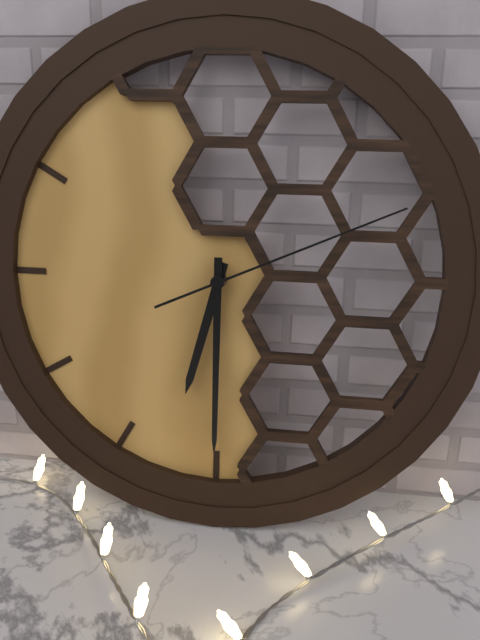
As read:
{"hour": 6, "minute": 30, "second": 11}
